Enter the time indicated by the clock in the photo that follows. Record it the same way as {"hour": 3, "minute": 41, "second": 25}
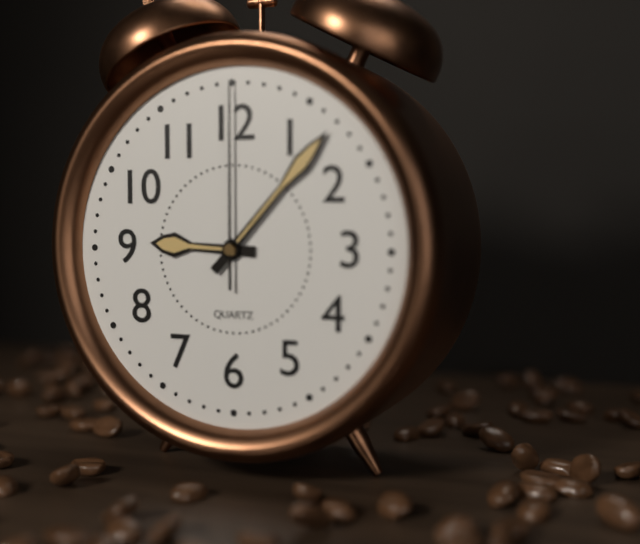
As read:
{"hour": 9, "minute": 7, "second": 0}
